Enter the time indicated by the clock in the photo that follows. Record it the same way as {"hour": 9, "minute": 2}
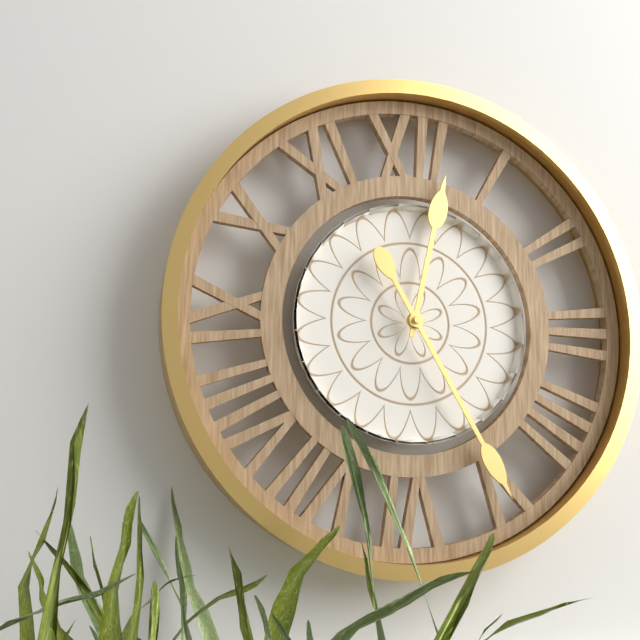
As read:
{"hour": 12, "minute": 25}
